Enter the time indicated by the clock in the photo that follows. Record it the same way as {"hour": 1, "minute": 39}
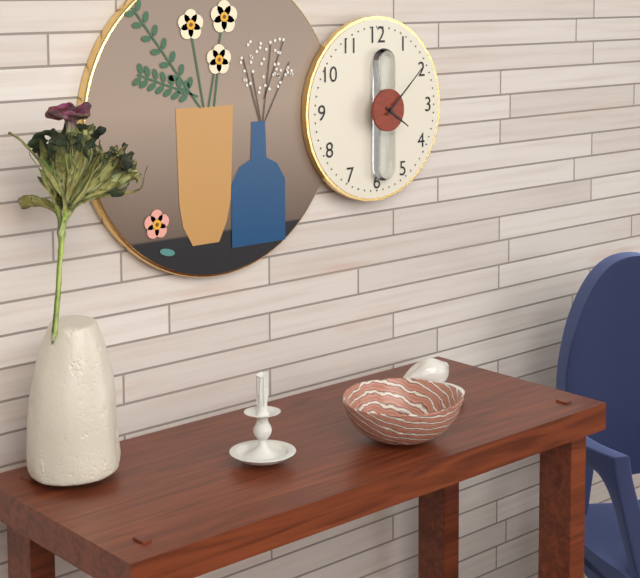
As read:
{"hour": 4, "minute": 8}
